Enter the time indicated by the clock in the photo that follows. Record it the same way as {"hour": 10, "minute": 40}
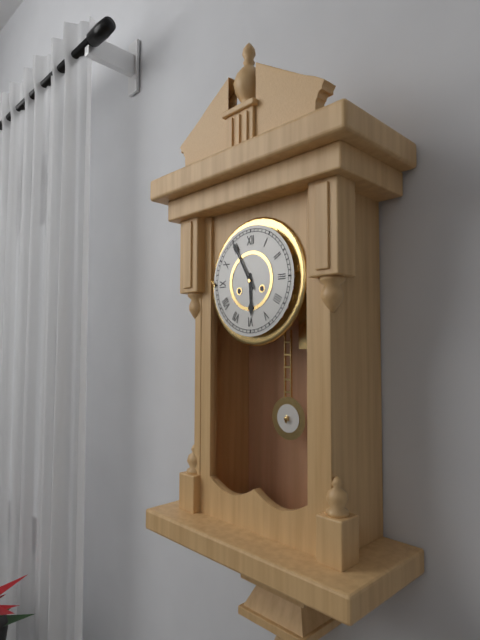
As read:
{"hour": 5, "minute": 55}
